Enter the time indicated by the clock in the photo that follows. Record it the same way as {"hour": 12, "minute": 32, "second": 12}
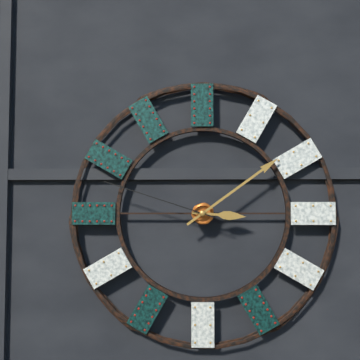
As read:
{"hour": 3, "minute": 9, "second": 48}
